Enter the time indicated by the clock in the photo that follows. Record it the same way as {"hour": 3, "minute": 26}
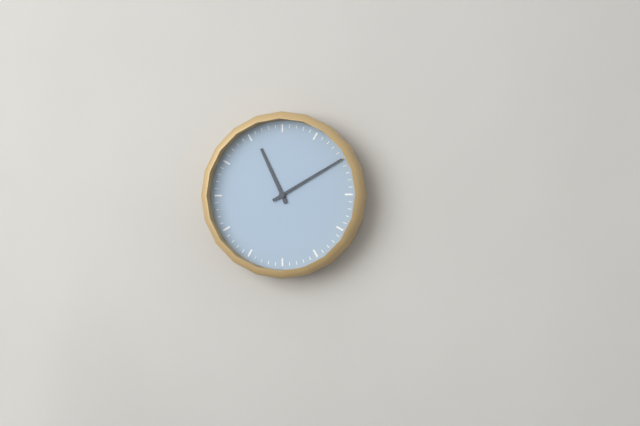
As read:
{"hour": 11, "minute": 10}
